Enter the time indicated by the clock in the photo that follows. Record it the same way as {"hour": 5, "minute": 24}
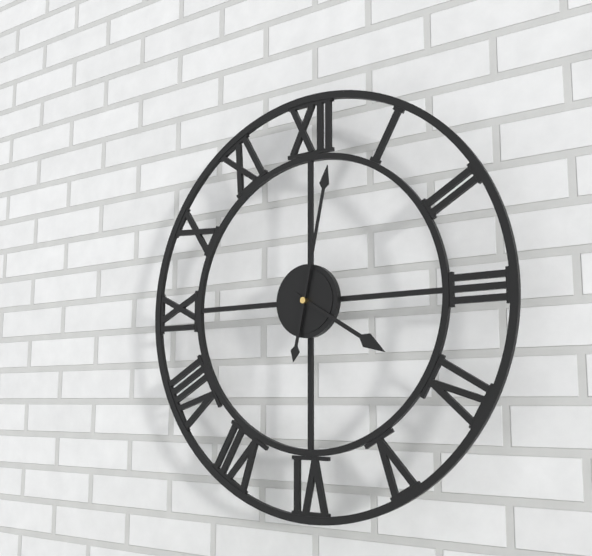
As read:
{"hour": 4, "minute": 2}
